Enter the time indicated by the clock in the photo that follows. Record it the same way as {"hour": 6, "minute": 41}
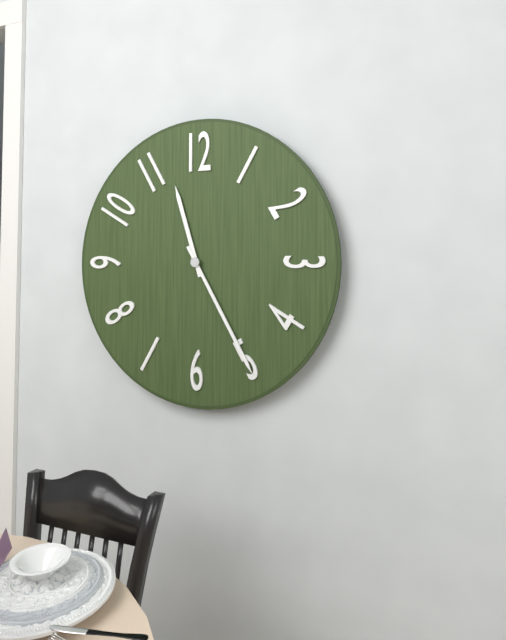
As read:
{"hour": 11, "minute": 25}
